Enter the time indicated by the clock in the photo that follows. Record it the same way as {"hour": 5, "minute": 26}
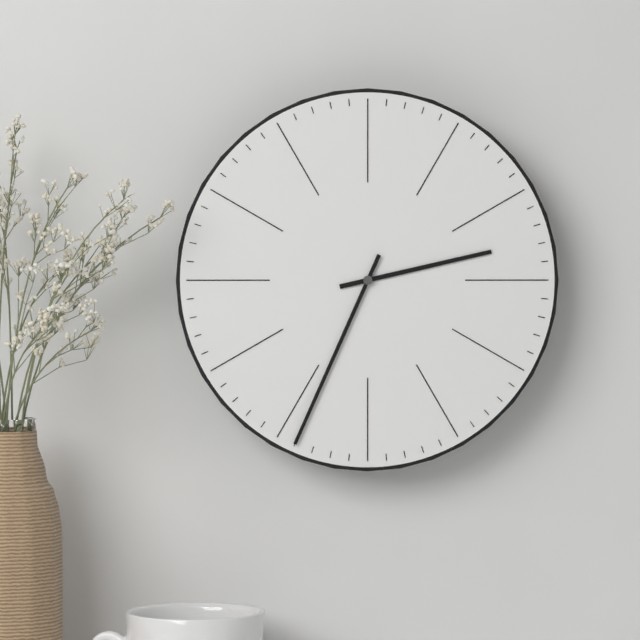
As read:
{"hour": 2, "minute": 34}
